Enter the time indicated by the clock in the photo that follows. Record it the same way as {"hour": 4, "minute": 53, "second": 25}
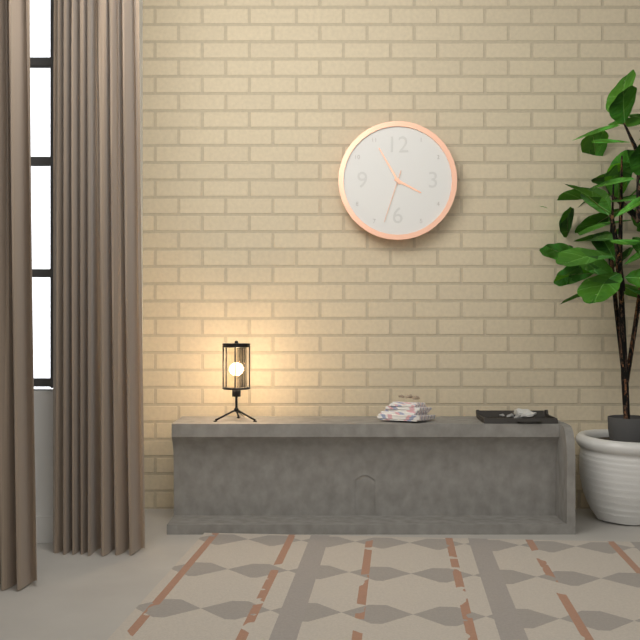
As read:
{"hour": 3, "minute": 55, "second": 33}
